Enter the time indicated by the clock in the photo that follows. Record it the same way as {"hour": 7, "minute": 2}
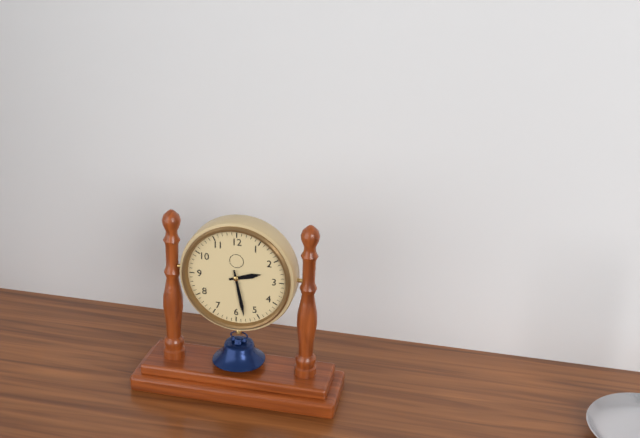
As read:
{"hour": 2, "minute": 28}
